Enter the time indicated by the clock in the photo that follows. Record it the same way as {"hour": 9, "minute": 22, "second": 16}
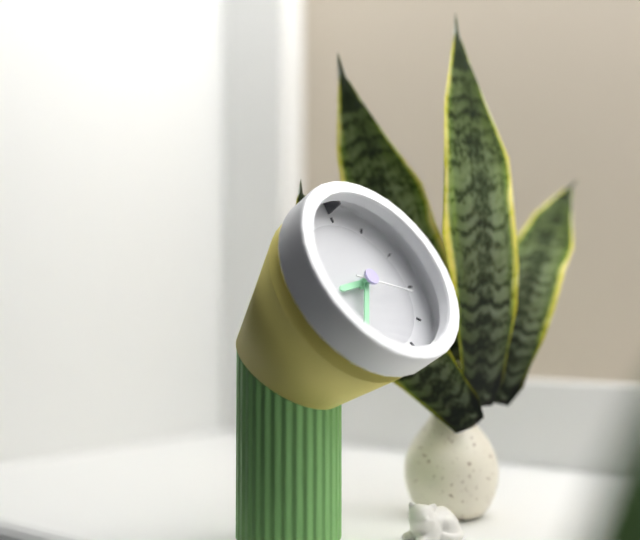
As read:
{"hour": 8, "minute": 35, "second": 17}
